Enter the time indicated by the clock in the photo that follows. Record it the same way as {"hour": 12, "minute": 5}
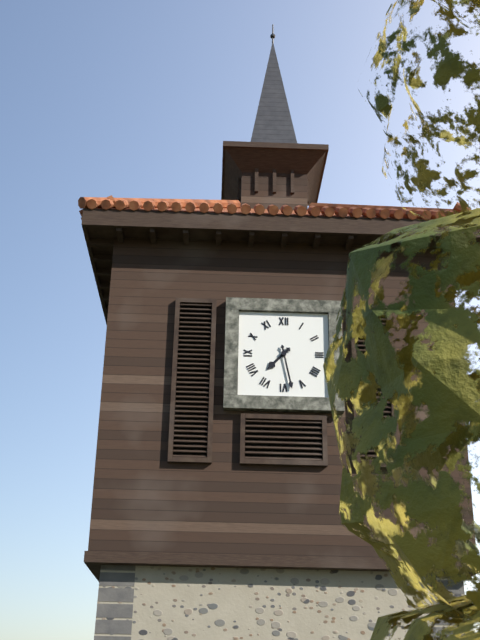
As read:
{"hour": 7, "minute": 28}
